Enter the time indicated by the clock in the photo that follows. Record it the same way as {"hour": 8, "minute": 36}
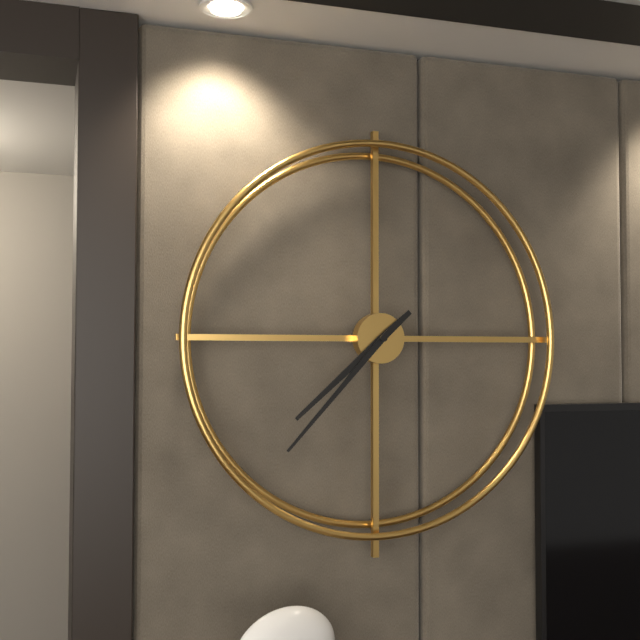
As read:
{"hour": 7, "minute": 37}
